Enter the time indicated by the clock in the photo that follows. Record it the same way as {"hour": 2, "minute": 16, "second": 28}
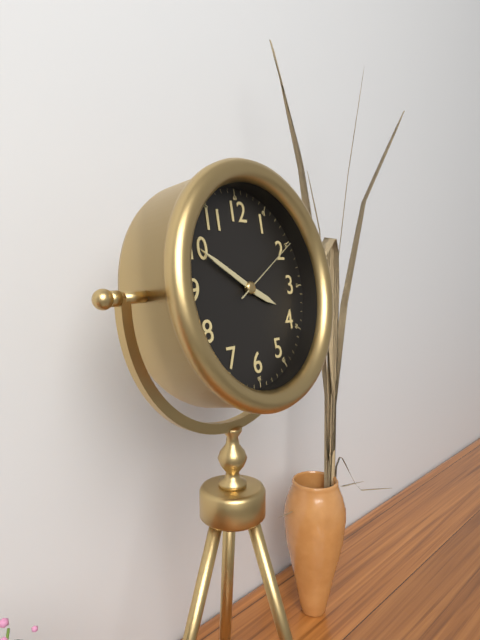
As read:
{"hour": 3, "minute": 50, "second": 10}
